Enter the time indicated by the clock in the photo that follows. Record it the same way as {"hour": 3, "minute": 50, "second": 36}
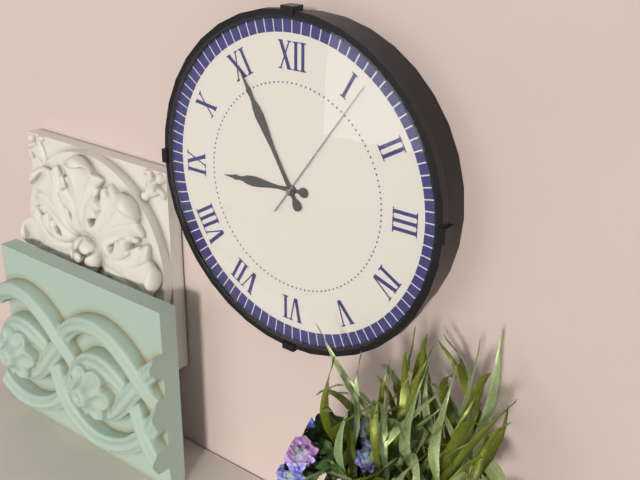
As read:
{"hour": 8, "minute": 55, "second": 6}
